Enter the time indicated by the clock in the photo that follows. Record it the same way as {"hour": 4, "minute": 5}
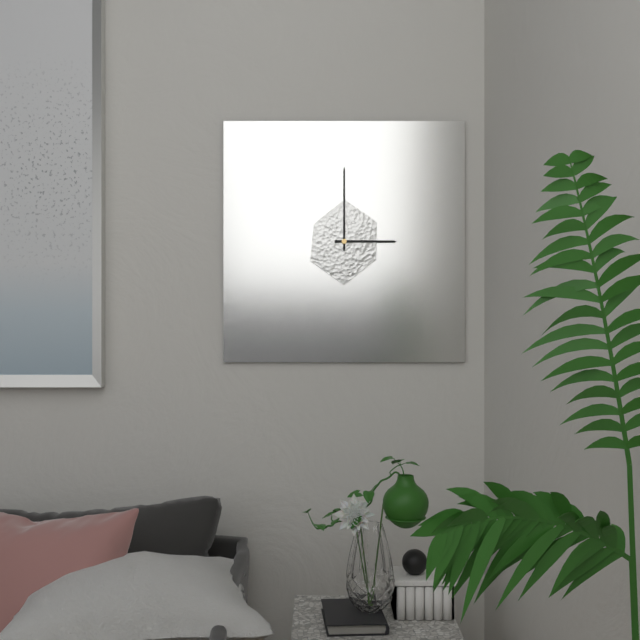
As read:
{"hour": 3, "minute": 0}
